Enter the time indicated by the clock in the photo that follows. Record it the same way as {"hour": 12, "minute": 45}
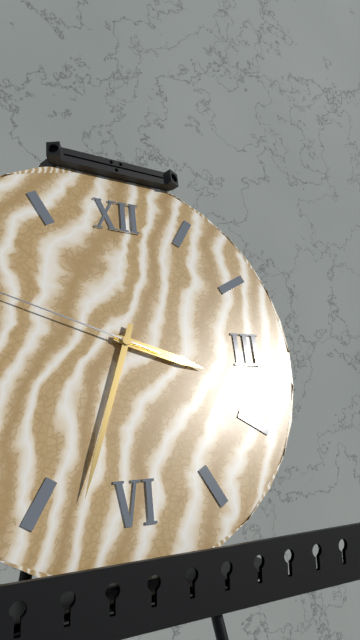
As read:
{"hour": 3, "minute": 33}
